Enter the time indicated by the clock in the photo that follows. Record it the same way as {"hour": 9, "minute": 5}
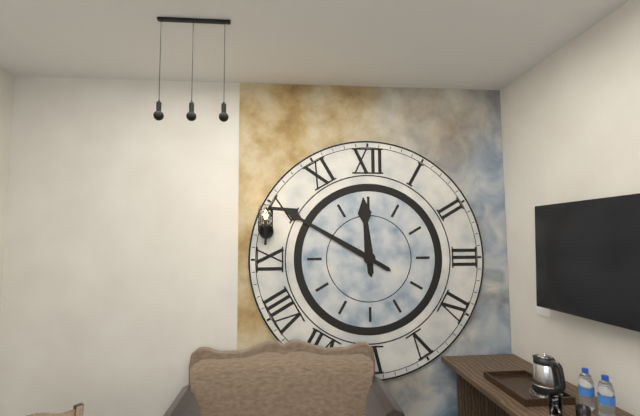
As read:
{"hour": 11, "minute": 50}
